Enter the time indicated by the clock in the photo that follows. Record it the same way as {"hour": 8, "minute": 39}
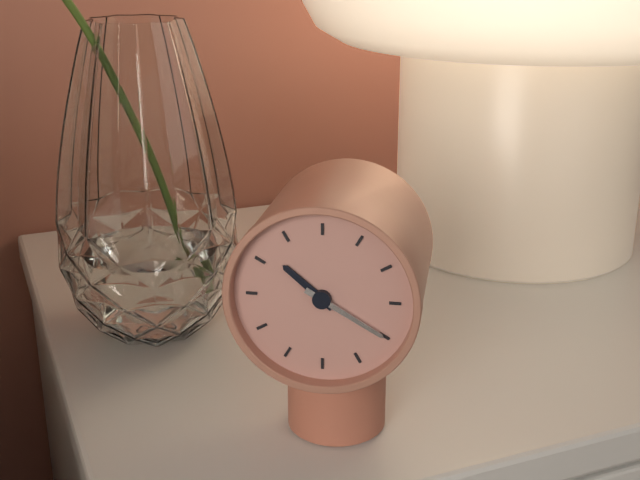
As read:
{"hour": 10, "minute": 20}
